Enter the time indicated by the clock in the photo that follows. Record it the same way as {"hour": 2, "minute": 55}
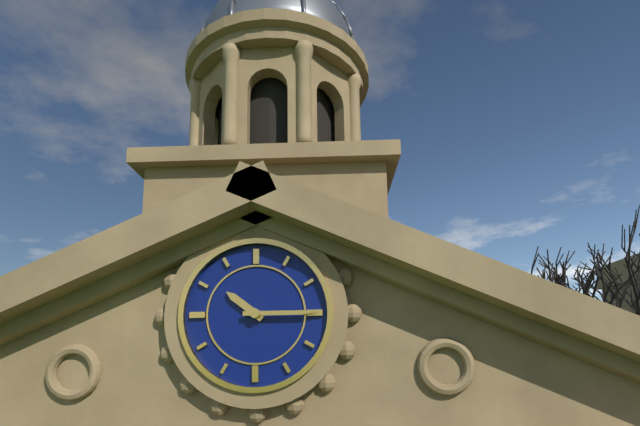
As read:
{"hour": 10, "minute": 15}
